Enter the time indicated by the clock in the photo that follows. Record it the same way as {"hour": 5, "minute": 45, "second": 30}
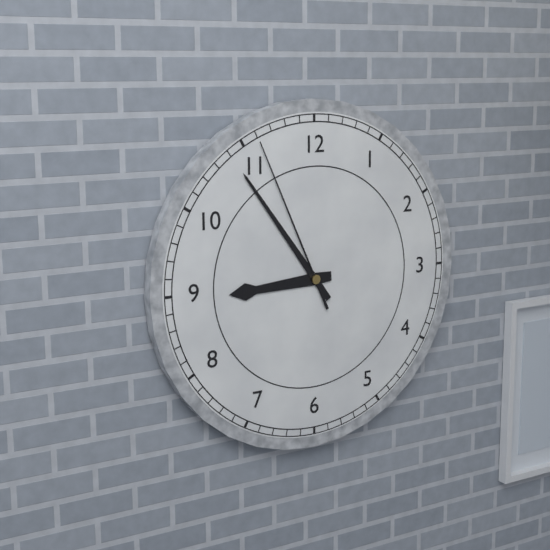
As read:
{"hour": 8, "minute": 54, "second": 56}
